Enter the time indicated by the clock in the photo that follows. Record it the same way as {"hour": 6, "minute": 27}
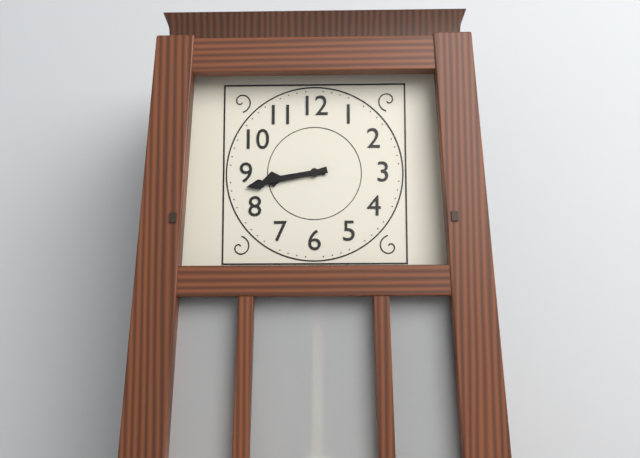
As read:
{"hour": 8, "minute": 43}
